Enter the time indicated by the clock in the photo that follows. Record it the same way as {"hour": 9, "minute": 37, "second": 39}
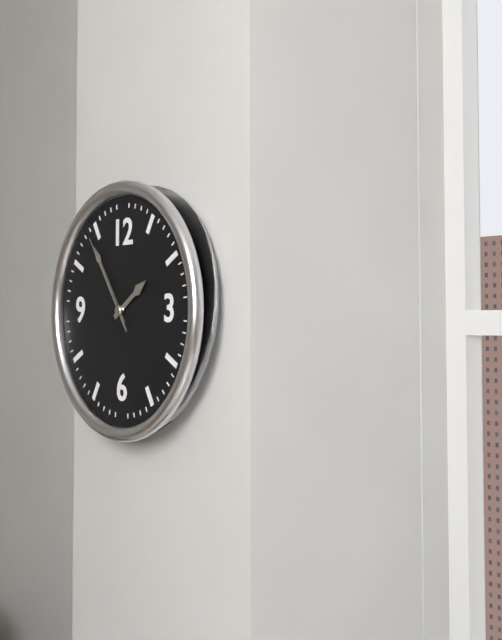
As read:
{"hour": 1, "minute": 54, "second": 54}
